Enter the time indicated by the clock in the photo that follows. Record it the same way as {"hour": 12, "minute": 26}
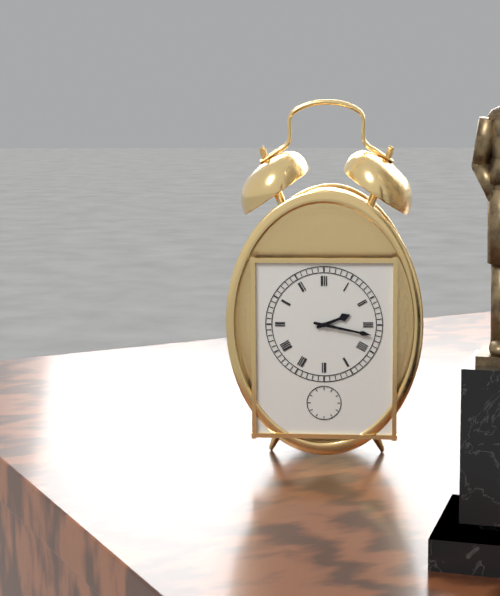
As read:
{"hour": 2, "minute": 17}
